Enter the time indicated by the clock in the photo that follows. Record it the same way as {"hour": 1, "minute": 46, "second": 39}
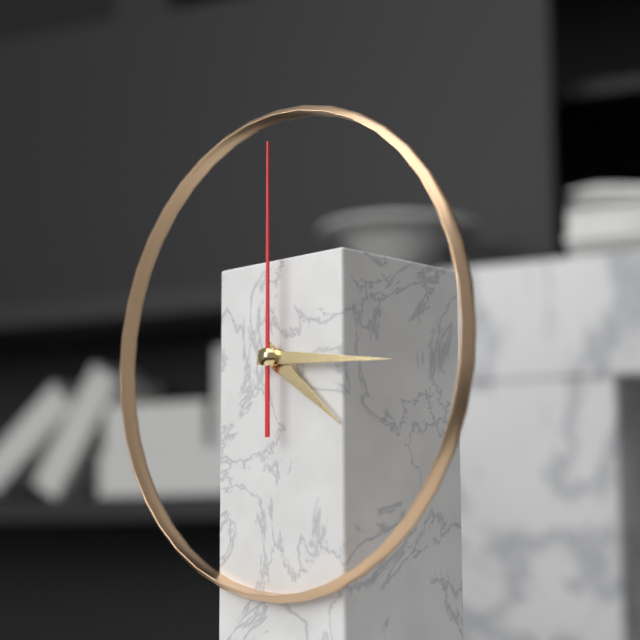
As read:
{"hour": 4, "minute": 16, "second": 0}
